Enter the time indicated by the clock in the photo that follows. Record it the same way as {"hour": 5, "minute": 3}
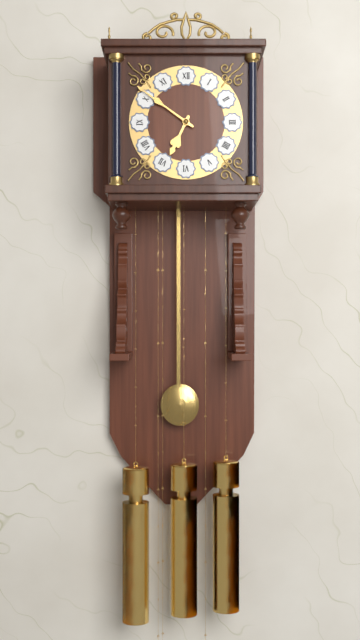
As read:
{"hour": 6, "minute": 51}
